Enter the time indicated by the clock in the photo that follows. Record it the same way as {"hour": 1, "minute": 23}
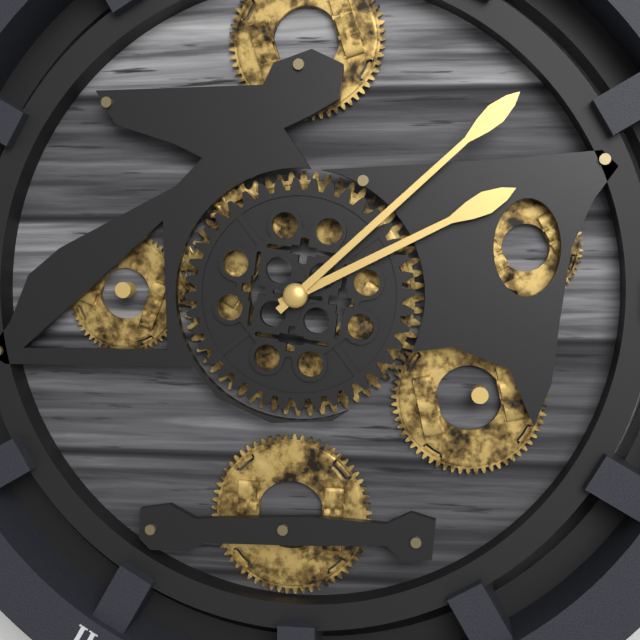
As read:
{"hour": 2, "minute": 8}
